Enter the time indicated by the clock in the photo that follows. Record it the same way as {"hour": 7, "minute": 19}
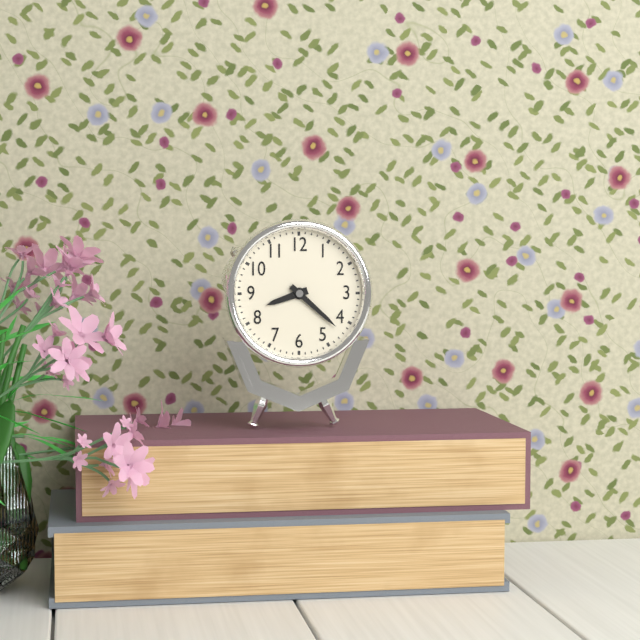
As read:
{"hour": 8, "minute": 22}
